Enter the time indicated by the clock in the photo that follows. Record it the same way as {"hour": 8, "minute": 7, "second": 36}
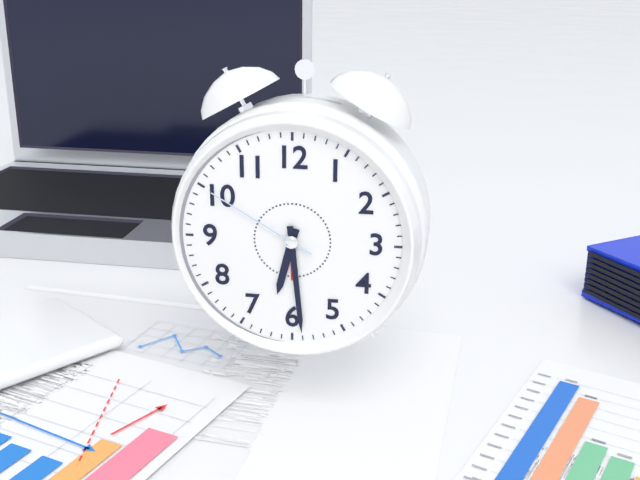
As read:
{"hour": 6, "minute": 29, "second": 50}
